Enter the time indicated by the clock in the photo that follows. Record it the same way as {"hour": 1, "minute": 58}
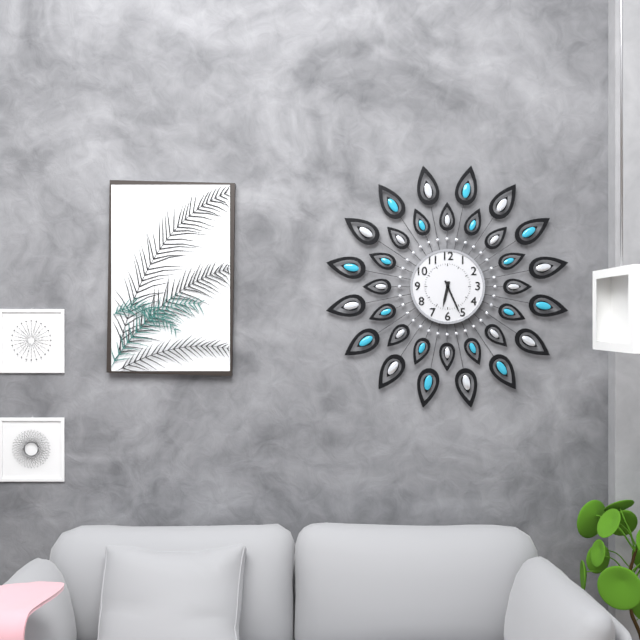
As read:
{"hour": 6, "minute": 26}
